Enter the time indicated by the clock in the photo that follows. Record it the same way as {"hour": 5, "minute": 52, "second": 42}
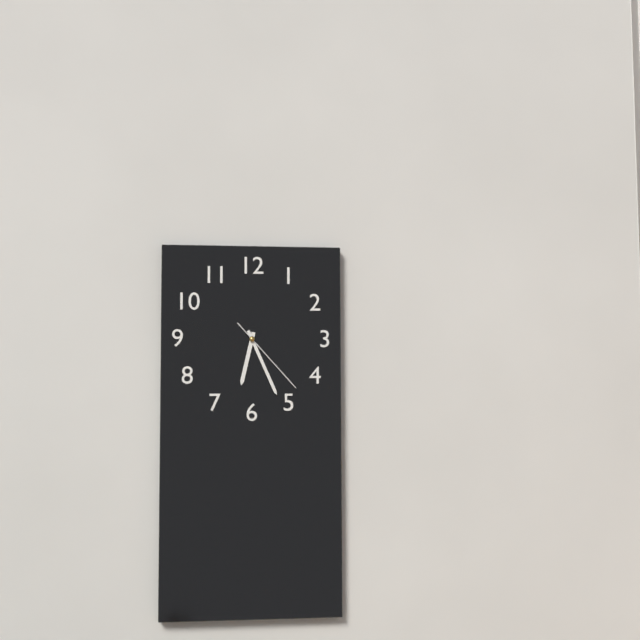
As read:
{"hour": 6, "minute": 26, "second": 23}
